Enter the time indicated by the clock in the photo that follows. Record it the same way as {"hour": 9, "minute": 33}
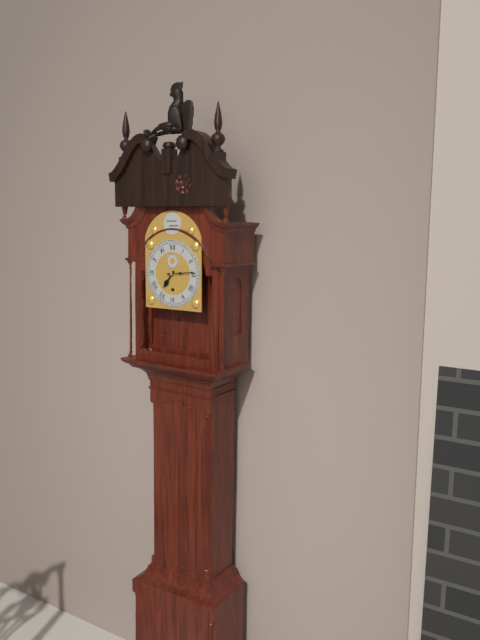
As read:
{"hour": 7, "minute": 14}
